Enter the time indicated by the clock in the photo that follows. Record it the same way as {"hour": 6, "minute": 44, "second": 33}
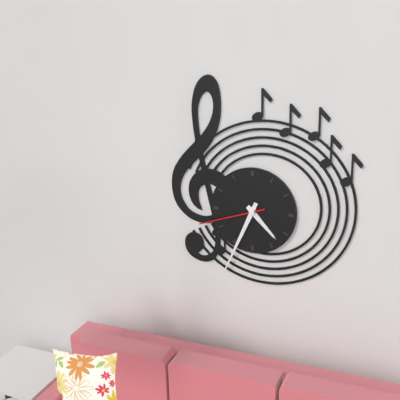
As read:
{"hour": 4, "minute": 34, "second": 42}
